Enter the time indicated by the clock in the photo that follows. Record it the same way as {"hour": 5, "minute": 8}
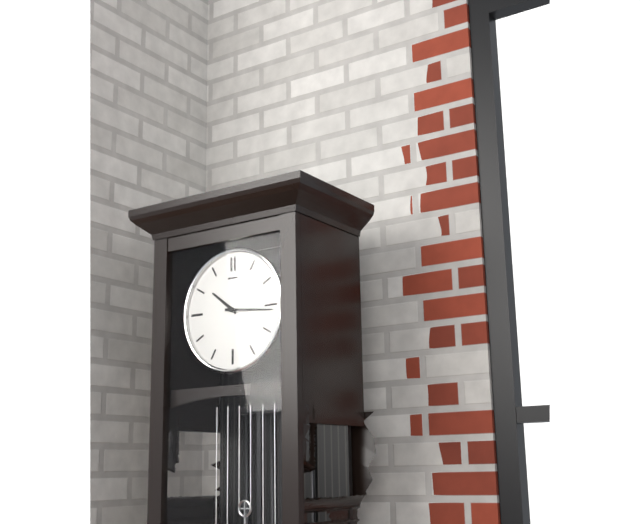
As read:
{"hour": 10, "minute": 16}
